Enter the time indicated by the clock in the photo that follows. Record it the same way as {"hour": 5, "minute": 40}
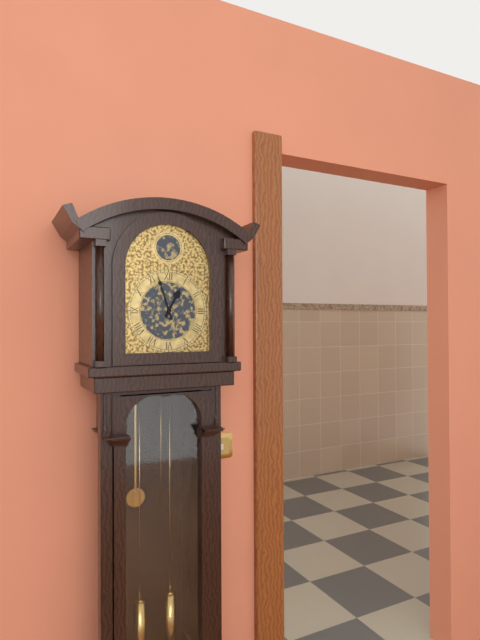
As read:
{"hour": 12, "minute": 57}
